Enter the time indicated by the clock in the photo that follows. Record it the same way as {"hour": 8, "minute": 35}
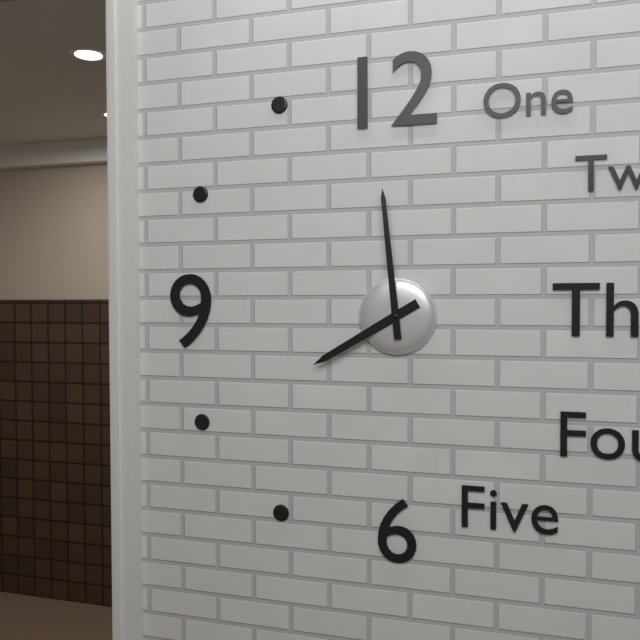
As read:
{"hour": 7, "minute": 59}
